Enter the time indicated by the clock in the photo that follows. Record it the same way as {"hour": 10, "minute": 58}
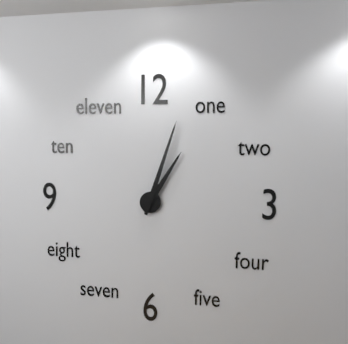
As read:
{"hour": 1, "minute": 3}
